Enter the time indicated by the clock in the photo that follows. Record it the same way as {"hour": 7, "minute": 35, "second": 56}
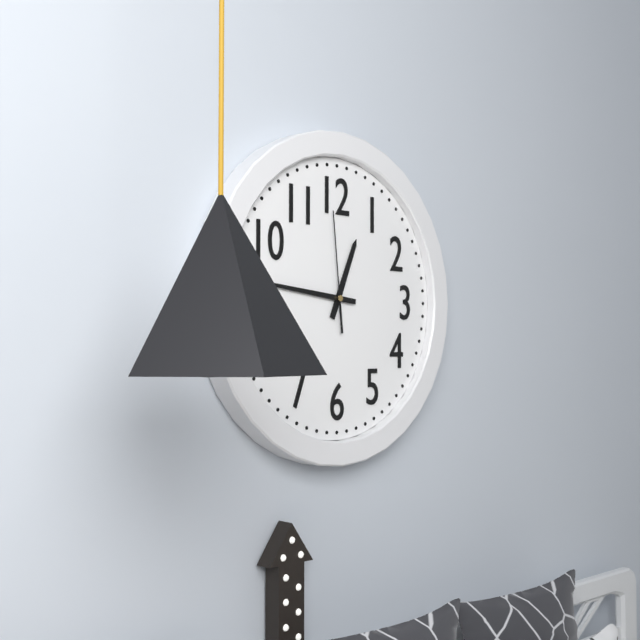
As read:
{"hour": 12, "minute": 46, "second": 59}
